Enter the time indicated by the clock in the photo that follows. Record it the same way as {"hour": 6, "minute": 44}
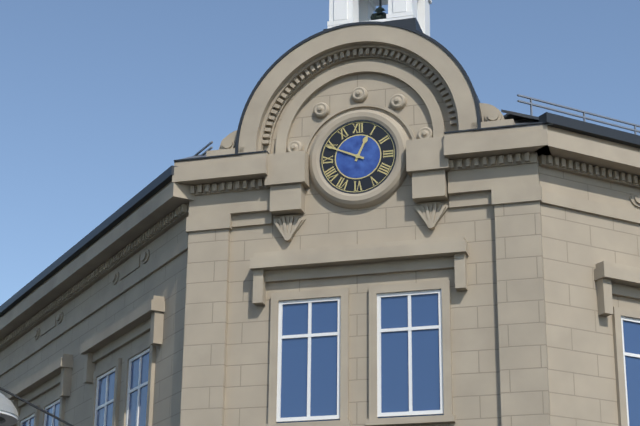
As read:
{"hour": 12, "minute": 49}
